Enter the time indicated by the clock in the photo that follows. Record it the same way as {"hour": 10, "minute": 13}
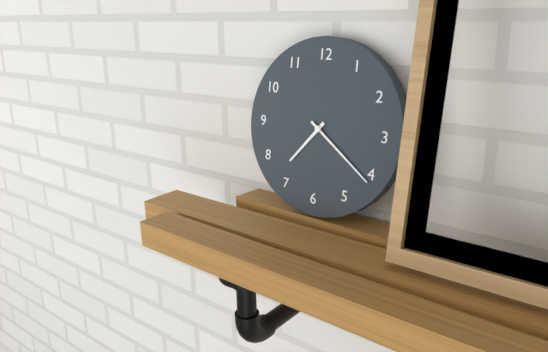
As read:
{"hour": 7, "minute": 21}
